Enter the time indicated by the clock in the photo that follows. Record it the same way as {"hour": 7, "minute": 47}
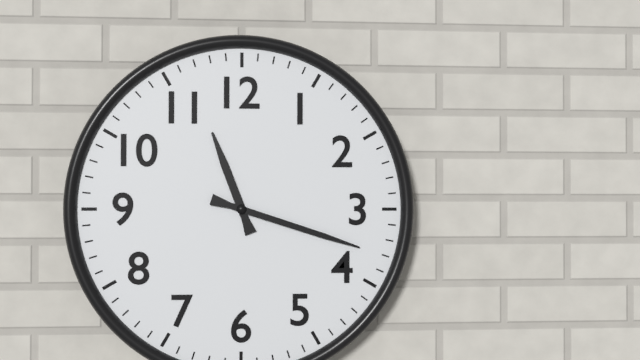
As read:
{"hour": 11, "minute": 18}
